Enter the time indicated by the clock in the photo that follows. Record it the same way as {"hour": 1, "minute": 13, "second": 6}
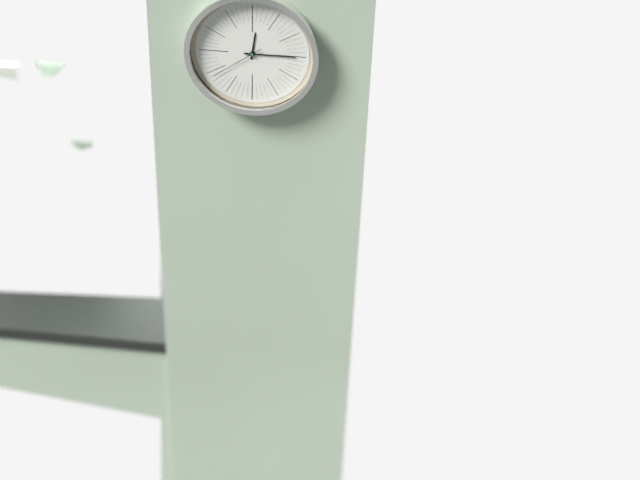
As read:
{"hour": 12, "minute": 15, "second": 39}
